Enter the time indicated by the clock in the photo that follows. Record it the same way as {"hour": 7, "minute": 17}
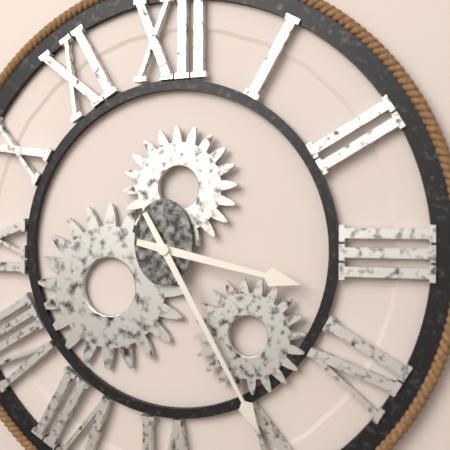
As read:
{"hour": 3, "minute": 25}
